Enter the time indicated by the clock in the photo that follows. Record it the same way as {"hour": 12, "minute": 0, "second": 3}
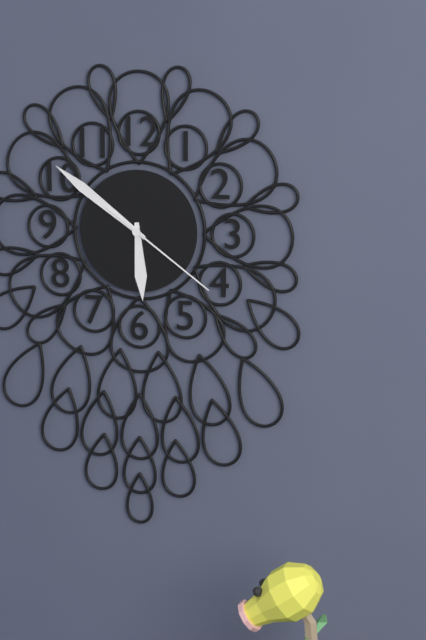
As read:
{"hour": 5, "minute": 51, "second": 21}
